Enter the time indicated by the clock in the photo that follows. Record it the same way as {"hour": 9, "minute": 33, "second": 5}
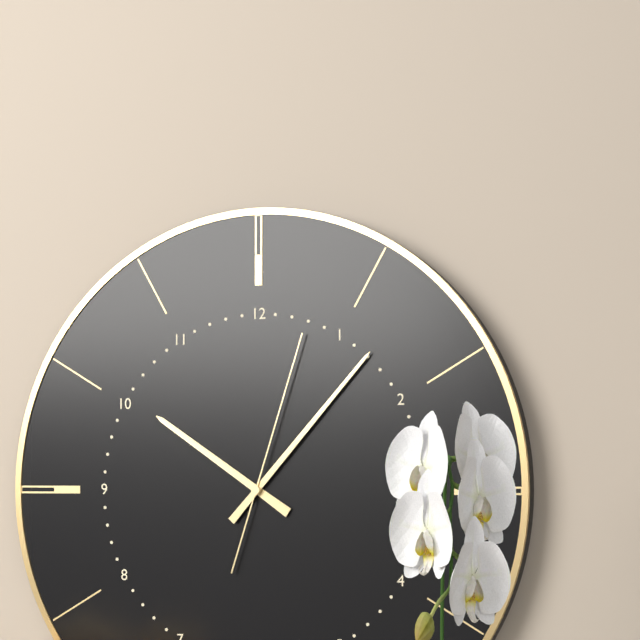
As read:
{"hour": 10, "minute": 7, "second": 3}
